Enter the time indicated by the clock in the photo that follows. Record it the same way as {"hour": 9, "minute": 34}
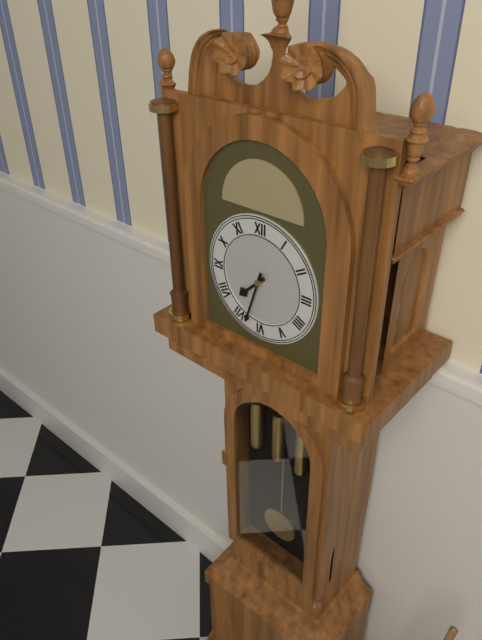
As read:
{"hour": 7, "minute": 33}
